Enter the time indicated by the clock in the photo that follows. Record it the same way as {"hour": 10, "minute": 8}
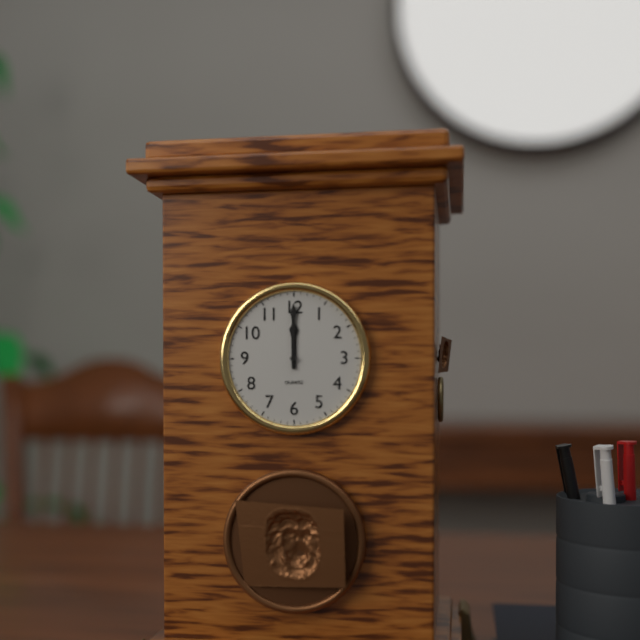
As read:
{"hour": 12, "minute": 0}
